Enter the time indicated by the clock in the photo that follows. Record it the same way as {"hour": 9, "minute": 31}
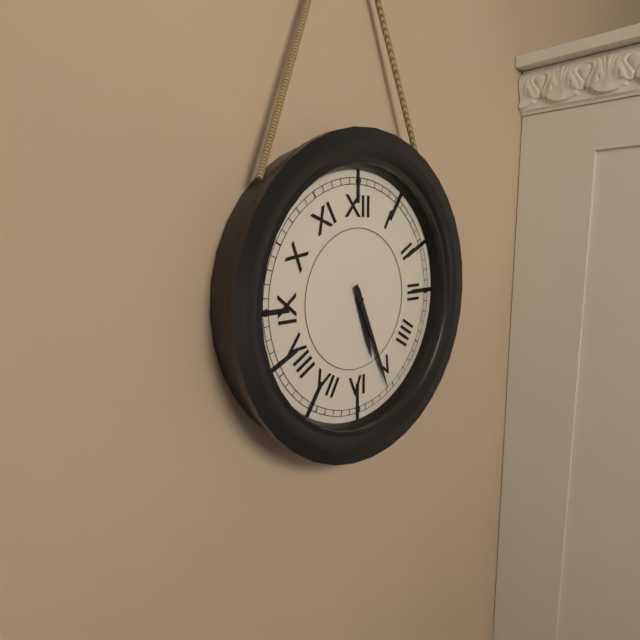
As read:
{"hour": 5, "minute": 26}
